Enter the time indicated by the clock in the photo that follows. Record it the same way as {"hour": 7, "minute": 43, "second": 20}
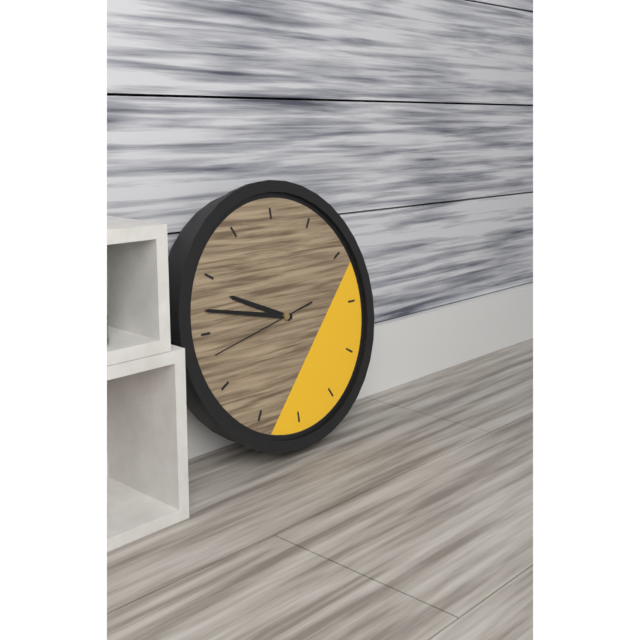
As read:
{"hour": 9, "minute": 47, "second": 43}
